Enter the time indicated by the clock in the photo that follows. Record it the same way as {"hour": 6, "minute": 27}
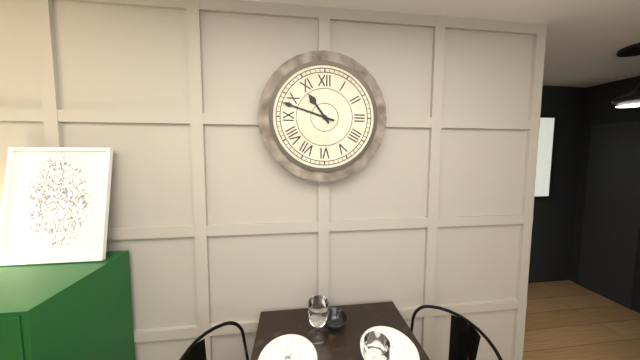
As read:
{"hour": 10, "minute": 48}
